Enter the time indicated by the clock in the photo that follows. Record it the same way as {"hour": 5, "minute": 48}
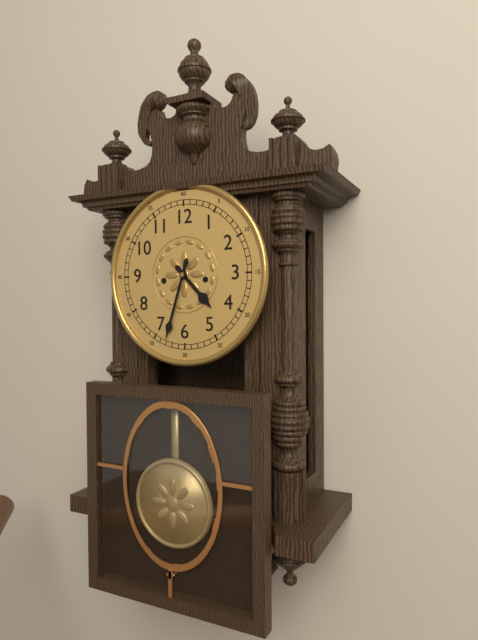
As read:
{"hour": 4, "minute": 33}
